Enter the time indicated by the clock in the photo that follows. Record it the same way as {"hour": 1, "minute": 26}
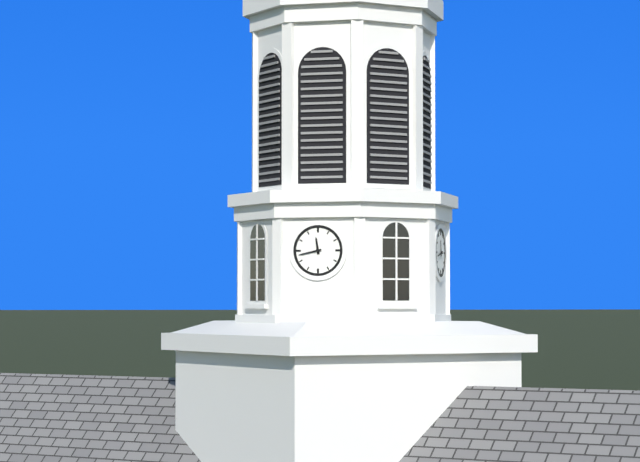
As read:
{"hour": 11, "minute": 43}
